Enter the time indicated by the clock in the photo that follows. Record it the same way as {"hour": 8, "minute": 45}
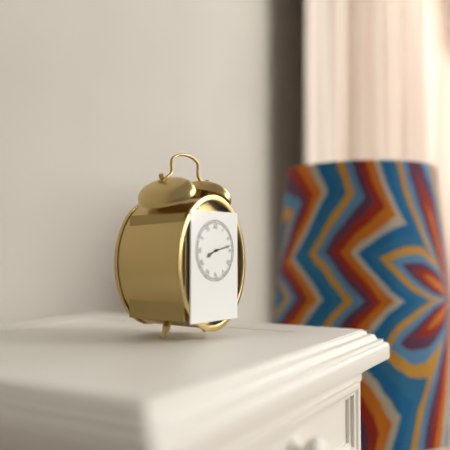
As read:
{"hour": 8, "minute": 13}
